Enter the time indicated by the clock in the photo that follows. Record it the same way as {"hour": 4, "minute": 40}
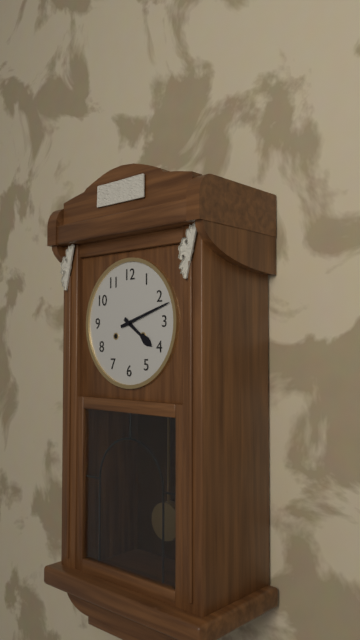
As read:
{"hour": 4, "minute": 12}
